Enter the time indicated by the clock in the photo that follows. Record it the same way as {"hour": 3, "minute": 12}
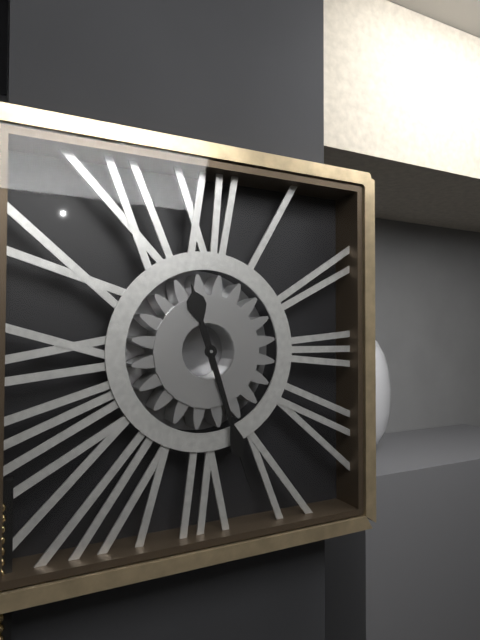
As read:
{"hour": 11, "minute": 27}
